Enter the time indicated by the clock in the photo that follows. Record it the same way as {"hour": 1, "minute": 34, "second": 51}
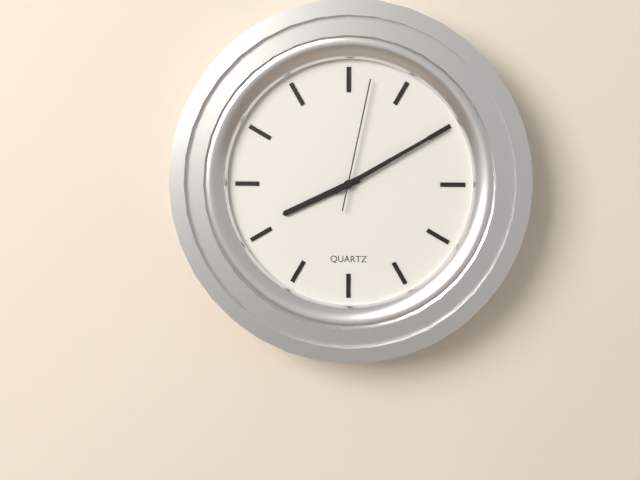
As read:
{"hour": 8, "minute": 10, "second": 2}
